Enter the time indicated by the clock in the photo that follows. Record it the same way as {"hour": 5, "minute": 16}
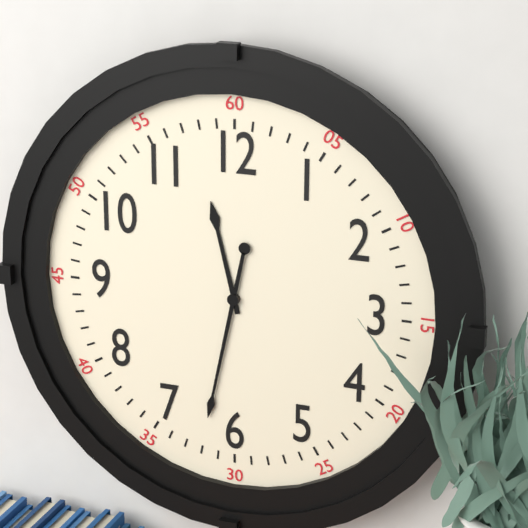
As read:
{"hour": 11, "minute": 32}
